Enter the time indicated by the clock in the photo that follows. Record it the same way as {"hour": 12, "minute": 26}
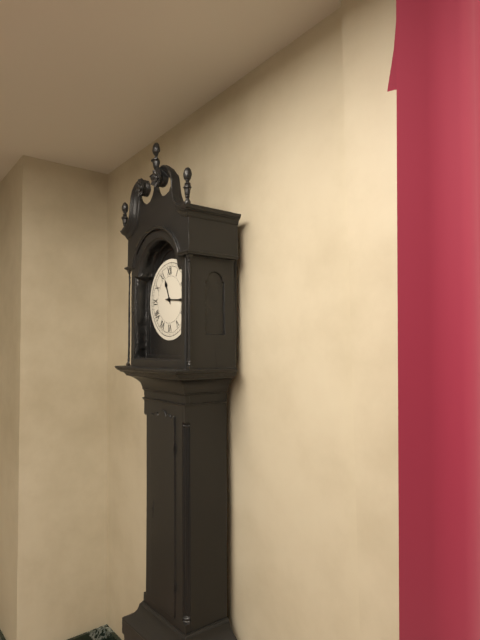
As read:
{"hour": 11, "minute": 16}
